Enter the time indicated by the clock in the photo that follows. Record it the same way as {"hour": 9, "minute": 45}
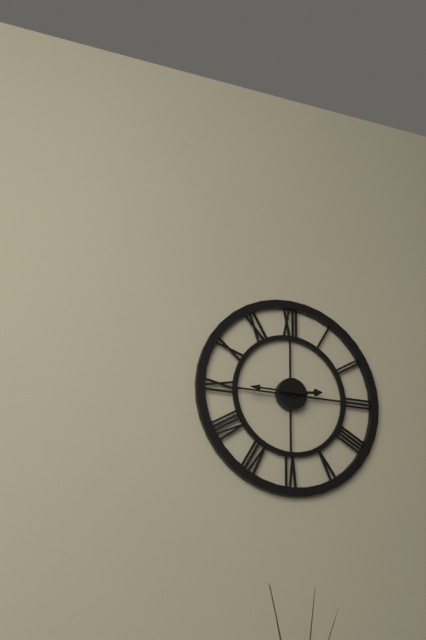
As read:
{"hour": 2, "minute": 45}
